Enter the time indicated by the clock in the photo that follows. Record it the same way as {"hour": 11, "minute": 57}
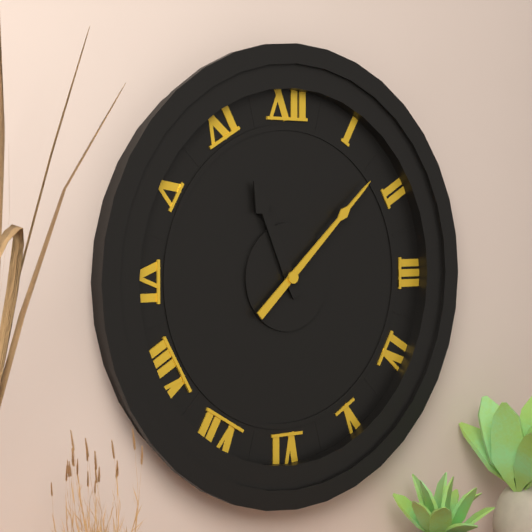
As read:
{"hour": 11, "minute": 8}
